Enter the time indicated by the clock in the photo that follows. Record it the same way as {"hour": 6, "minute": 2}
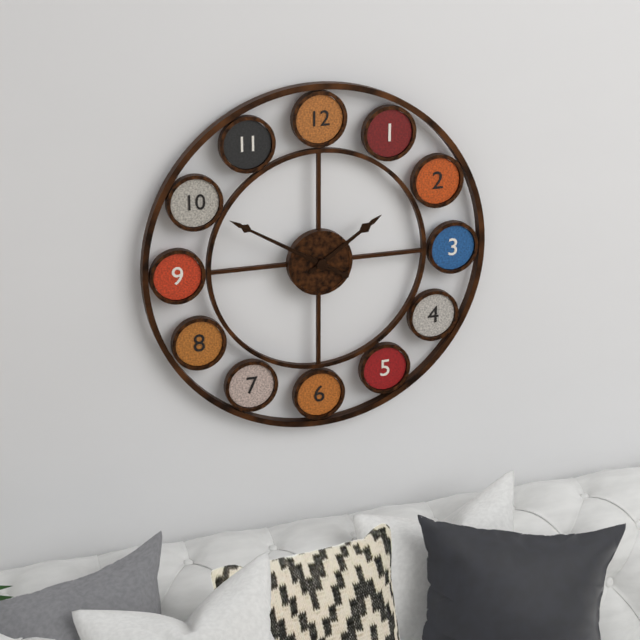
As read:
{"hour": 1, "minute": 50}
